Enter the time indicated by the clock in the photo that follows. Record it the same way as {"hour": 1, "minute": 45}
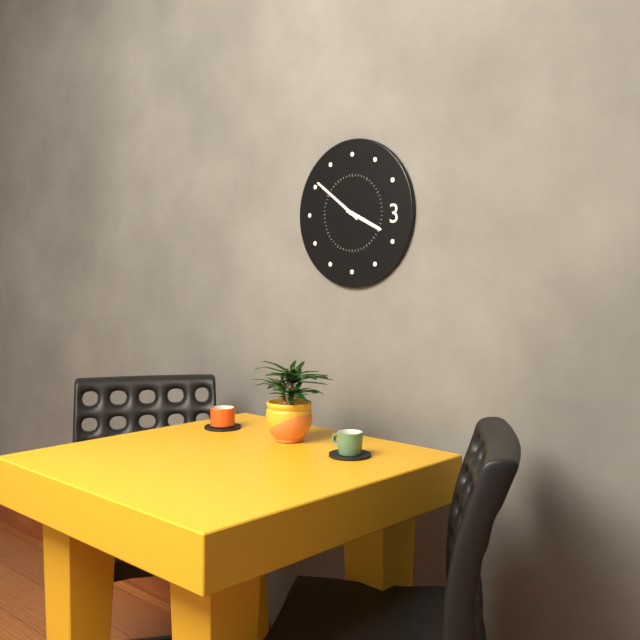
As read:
{"hour": 3, "minute": 51}
